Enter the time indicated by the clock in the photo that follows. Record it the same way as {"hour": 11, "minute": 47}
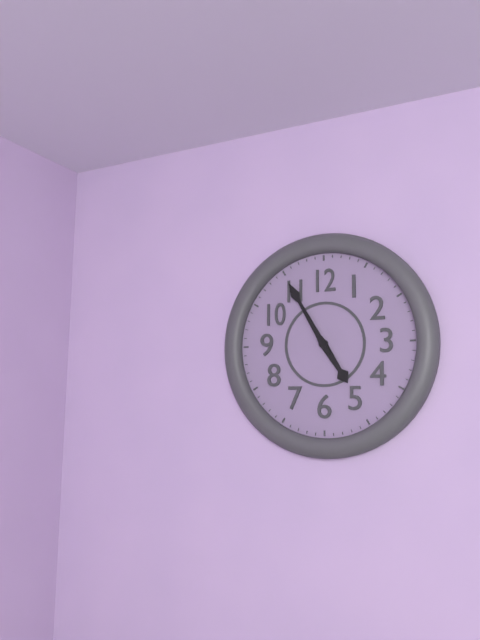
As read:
{"hour": 4, "minute": 55}
